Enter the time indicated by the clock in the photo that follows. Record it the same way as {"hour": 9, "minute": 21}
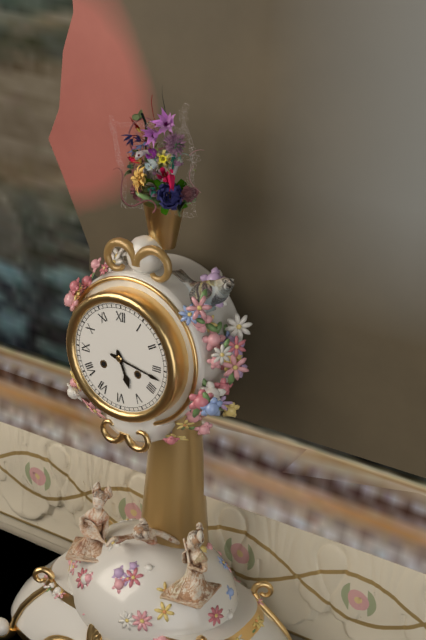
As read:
{"hour": 5, "minute": 17}
